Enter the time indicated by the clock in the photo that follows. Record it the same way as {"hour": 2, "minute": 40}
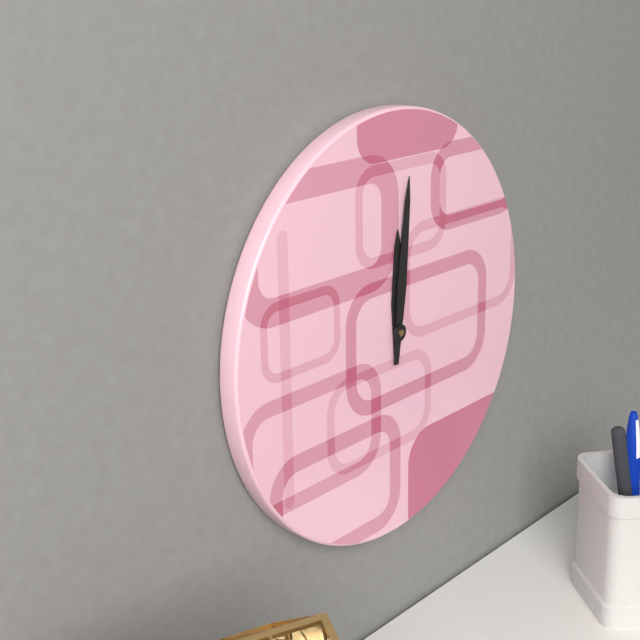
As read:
{"hour": 12, "minute": 1}
